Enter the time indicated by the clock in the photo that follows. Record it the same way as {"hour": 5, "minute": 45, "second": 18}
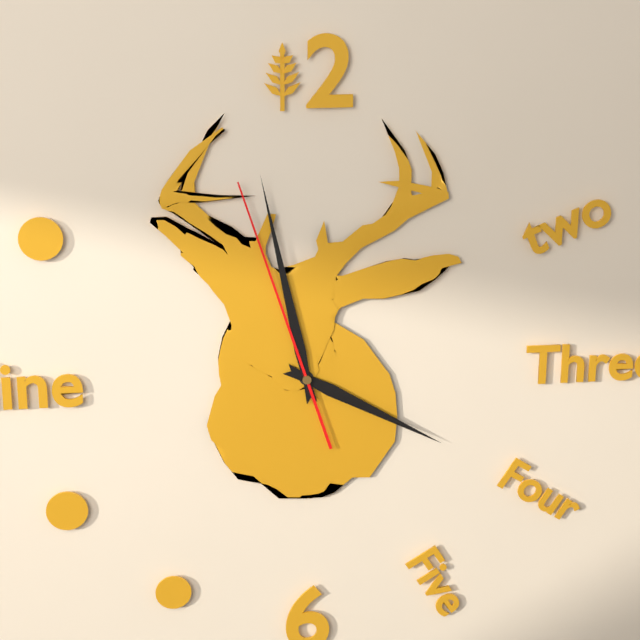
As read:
{"hour": 3, "minute": 58, "second": 57}
